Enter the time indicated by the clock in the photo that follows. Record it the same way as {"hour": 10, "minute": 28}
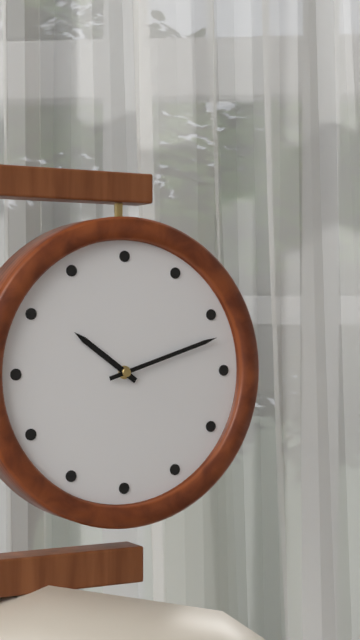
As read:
{"hour": 10, "minute": 12}
